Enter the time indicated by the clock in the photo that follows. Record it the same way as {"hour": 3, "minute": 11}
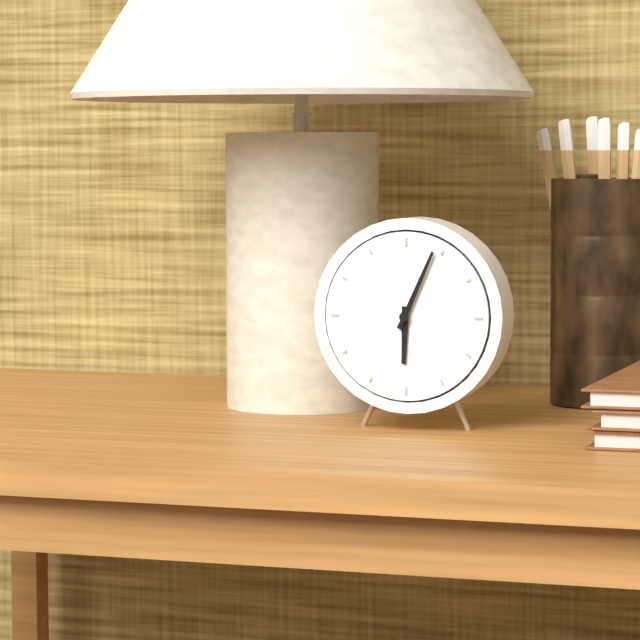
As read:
{"hour": 6, "minute": 4}
